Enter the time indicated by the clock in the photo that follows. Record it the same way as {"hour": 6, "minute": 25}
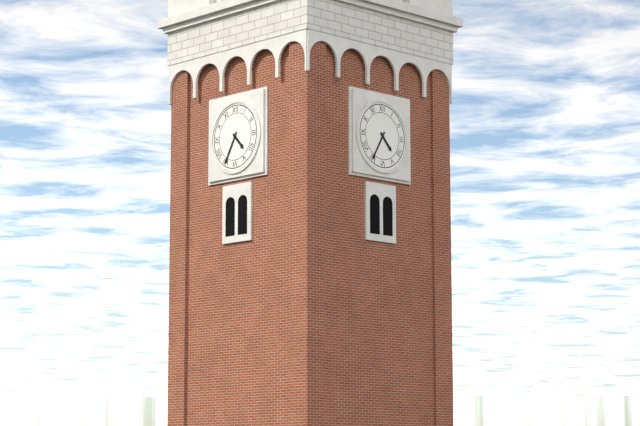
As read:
{"hour": 4, "minute": 35}
